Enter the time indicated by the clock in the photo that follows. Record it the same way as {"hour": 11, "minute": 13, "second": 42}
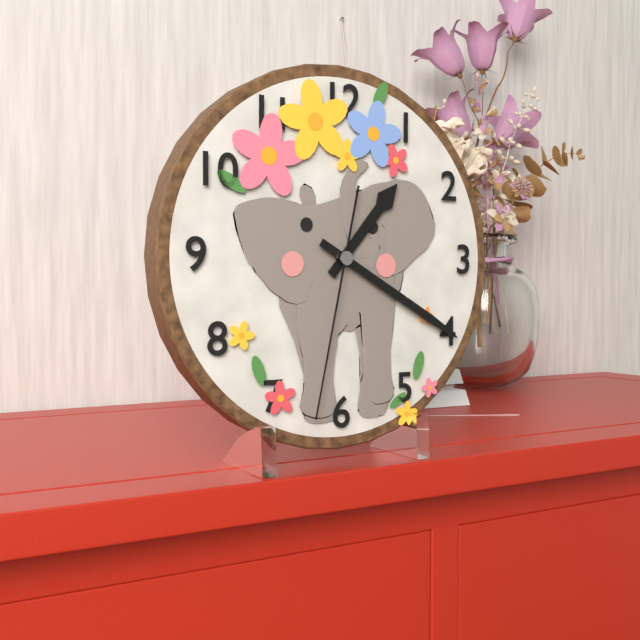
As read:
{"hour": 1, "minute": 20, "second": 32}
